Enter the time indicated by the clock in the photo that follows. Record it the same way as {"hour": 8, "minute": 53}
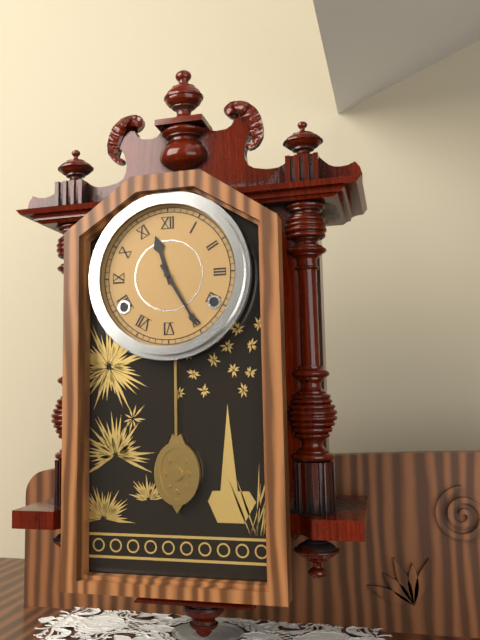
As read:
{"hour": 11, "minute": 25}
